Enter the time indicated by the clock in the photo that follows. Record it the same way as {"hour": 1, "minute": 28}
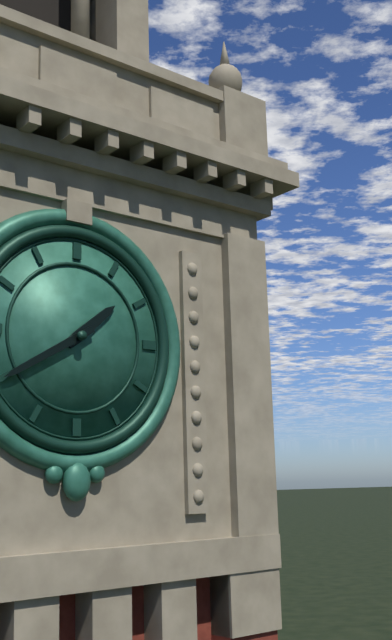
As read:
{"hour": 1, "minute": 40}
